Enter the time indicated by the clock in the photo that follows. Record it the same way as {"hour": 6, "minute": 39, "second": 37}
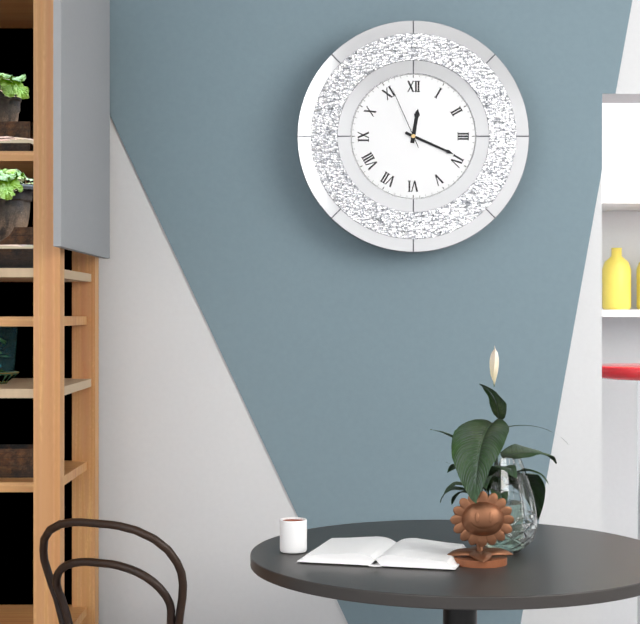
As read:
{"hour": 12, "minute": 19, "second": 56}
